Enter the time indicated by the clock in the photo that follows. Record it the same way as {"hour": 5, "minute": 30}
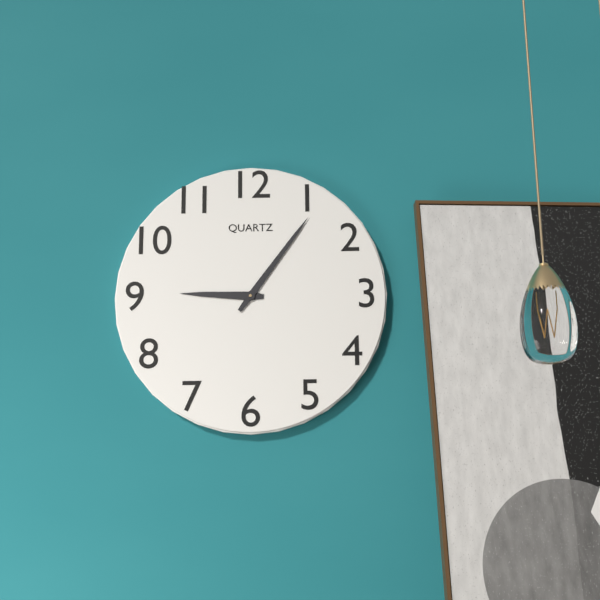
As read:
{"hour": 9, "minute": 6}
